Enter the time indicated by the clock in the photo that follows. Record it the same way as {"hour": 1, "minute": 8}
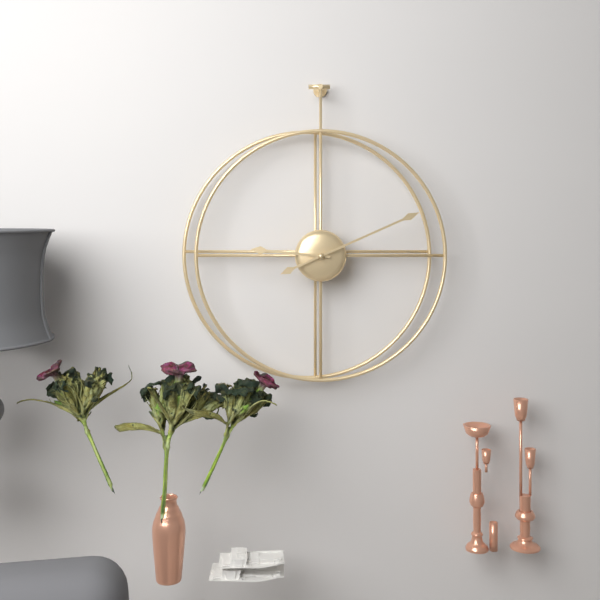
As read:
{"hour": 9, "minute": 11}
